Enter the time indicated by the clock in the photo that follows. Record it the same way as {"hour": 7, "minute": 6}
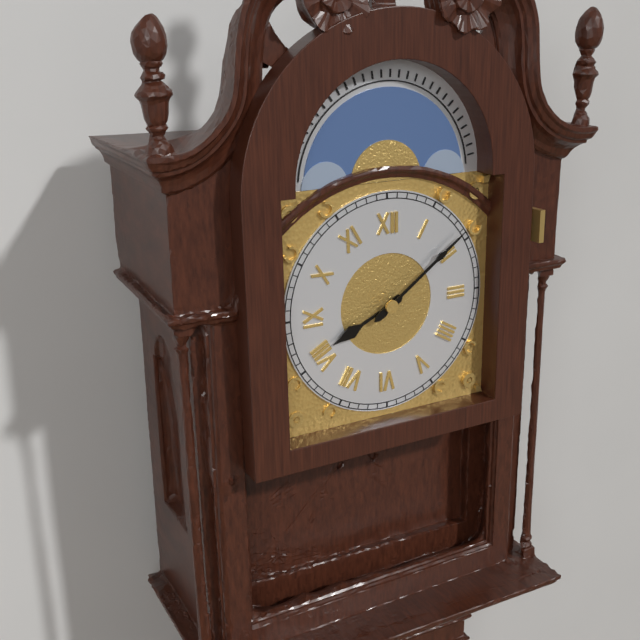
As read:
{"hour": 8, "minute": 9}
